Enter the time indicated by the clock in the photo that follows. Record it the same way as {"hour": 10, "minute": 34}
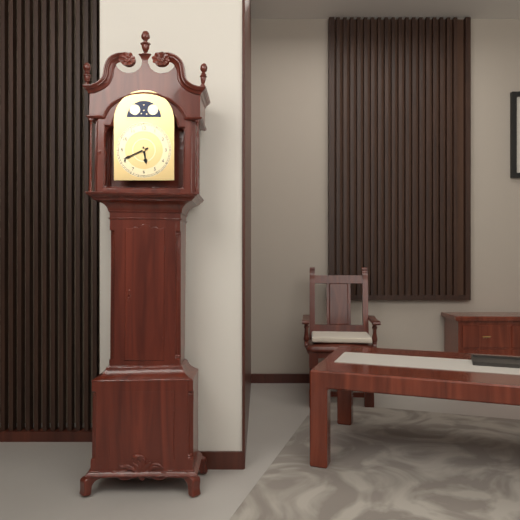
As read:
{"hour": 5, "minute": 41}
